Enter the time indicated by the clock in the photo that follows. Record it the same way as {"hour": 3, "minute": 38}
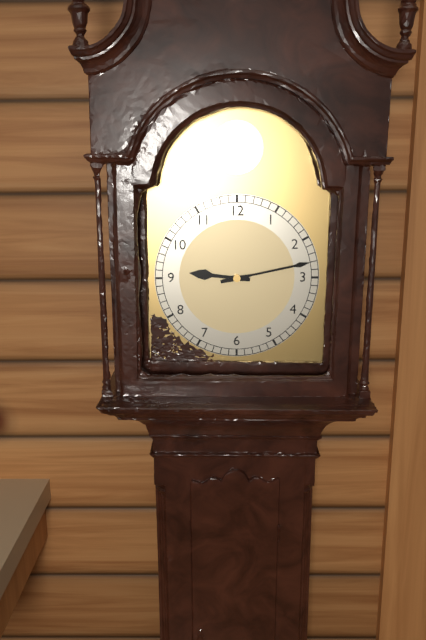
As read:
{"hour": 9, "minute": 13}
